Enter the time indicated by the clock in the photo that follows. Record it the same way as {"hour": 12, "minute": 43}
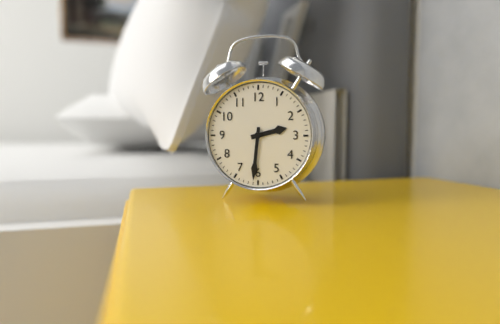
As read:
{"hour": 2, "minute": 31}
